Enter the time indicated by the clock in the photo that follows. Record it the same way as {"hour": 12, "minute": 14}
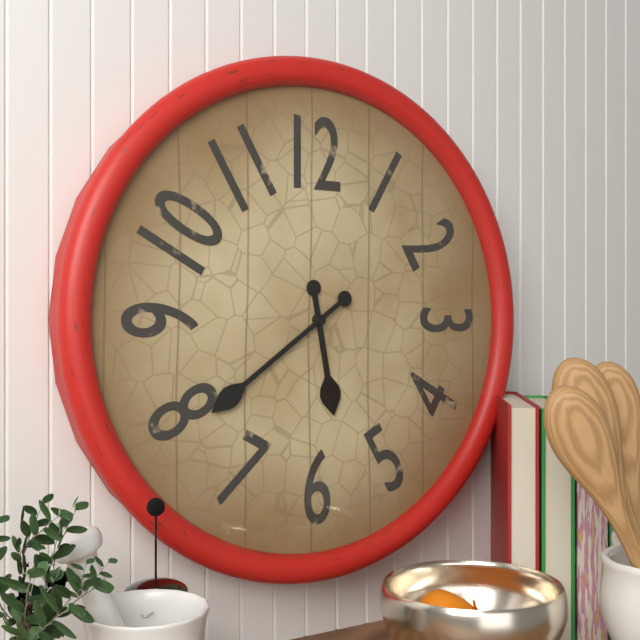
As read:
{"hour": 5, "minute": 39}
